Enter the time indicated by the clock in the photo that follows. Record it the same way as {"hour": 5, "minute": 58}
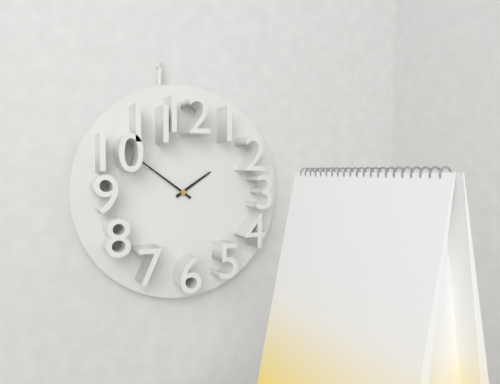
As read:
{"hour": 1, "minute": 51}
